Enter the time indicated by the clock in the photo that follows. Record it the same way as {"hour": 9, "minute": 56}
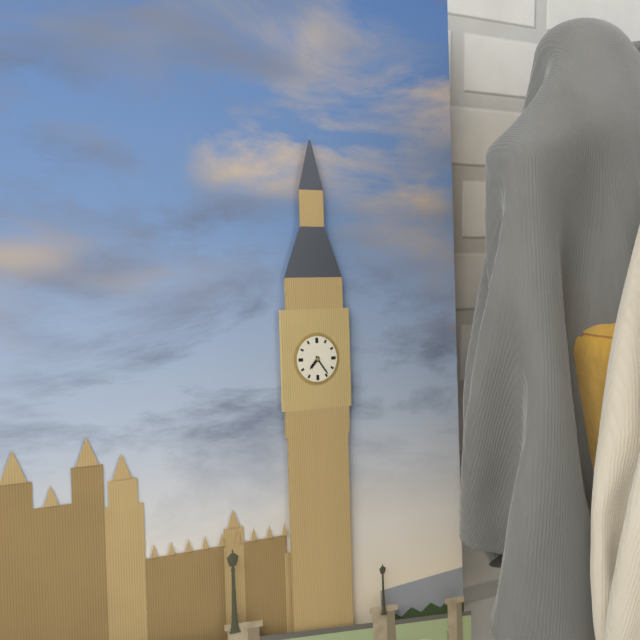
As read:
{"hour": 7, "minute": 24}
